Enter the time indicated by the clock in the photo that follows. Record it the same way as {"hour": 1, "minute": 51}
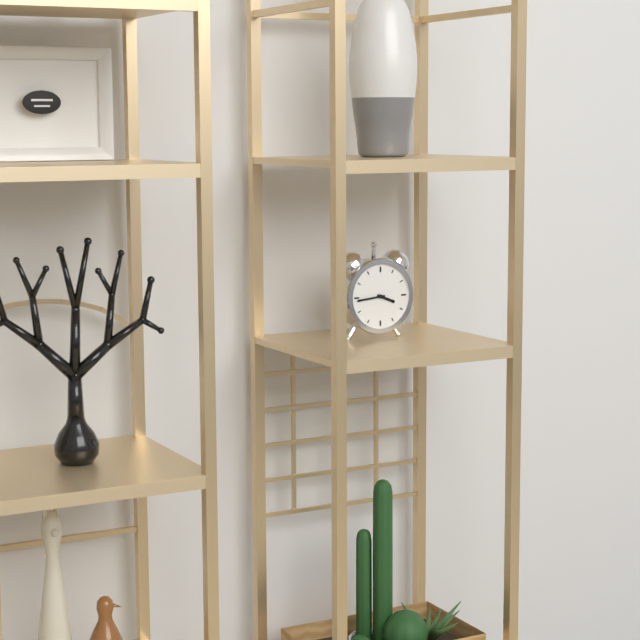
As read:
{"hour": 3, "minute": 44}
